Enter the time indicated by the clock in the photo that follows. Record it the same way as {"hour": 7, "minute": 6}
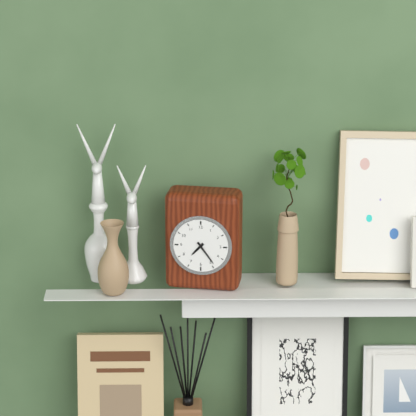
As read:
{"hour": 7, "minute": 24}
